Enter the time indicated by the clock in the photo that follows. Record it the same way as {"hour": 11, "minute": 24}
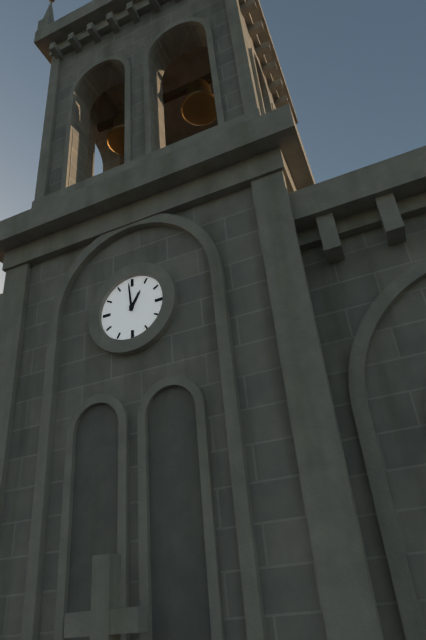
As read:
{"hour": 12, "minute": 59}
